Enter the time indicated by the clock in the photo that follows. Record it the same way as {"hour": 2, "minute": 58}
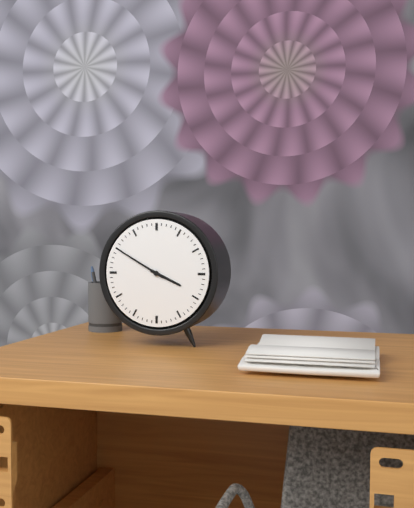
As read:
{"hour": 3, "minute": 50}
